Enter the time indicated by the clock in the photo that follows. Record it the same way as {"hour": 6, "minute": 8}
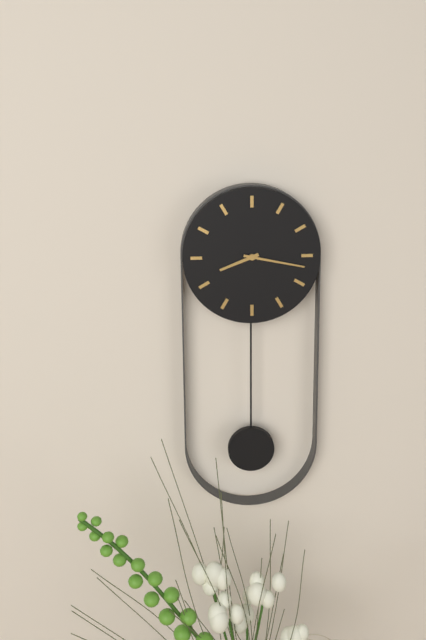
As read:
{"hour": 8, "minute": 17}
